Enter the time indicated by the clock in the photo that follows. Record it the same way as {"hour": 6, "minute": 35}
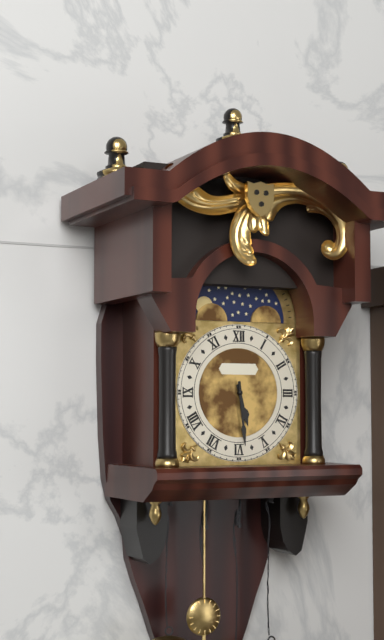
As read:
{"hour": 5, "minute": 29}
